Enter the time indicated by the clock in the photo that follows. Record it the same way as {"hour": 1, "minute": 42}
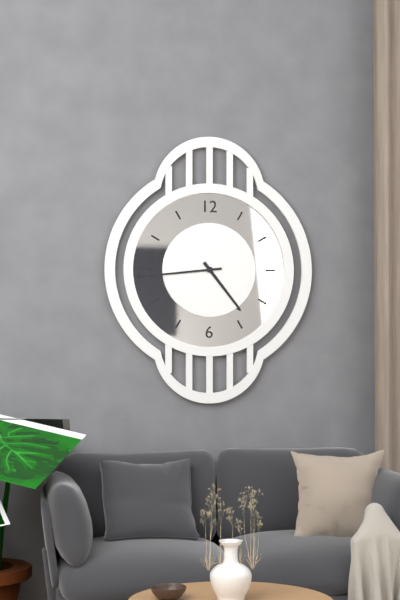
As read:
{"hour": 4, "minute": 44}
